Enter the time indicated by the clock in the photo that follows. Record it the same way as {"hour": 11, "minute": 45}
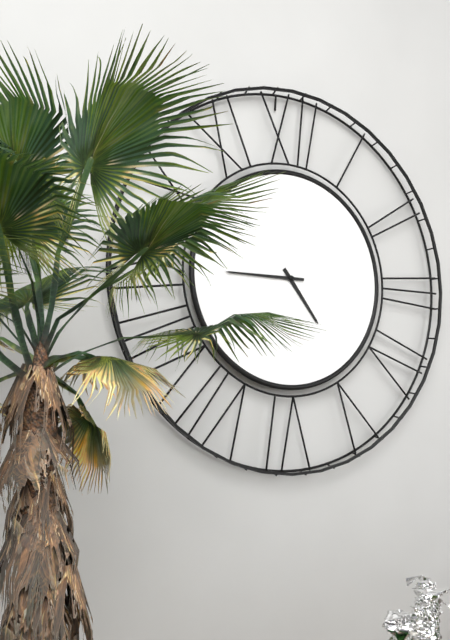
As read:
{"hour": 4, "minute": 45}
